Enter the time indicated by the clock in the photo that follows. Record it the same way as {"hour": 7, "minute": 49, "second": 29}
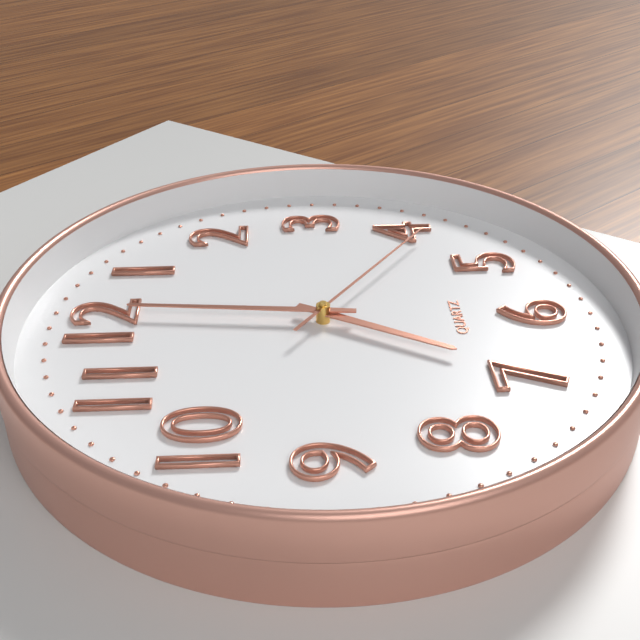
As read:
{"hour": 7, "minute": 1, "second": 21}
